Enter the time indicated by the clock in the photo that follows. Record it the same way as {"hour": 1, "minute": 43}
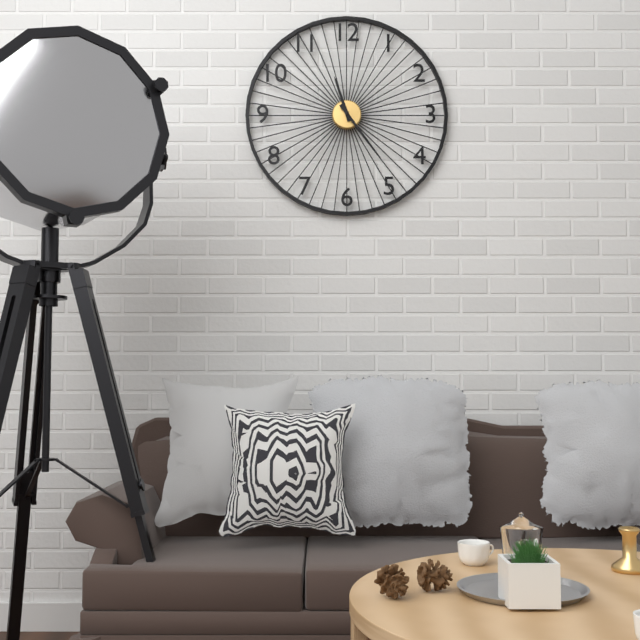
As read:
{"hour": 11, "minute": 24}
